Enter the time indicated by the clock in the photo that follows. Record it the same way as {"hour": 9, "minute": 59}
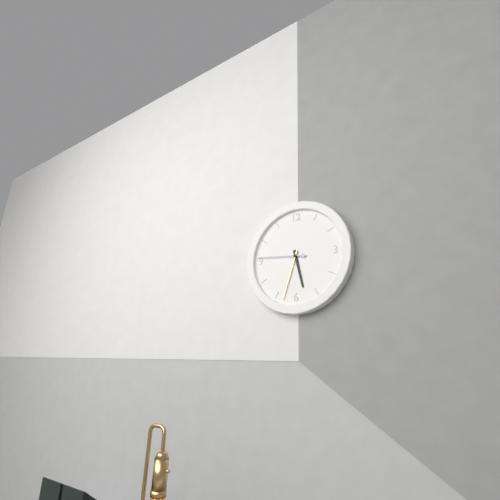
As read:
{"hour": 5, "minute": 33}
